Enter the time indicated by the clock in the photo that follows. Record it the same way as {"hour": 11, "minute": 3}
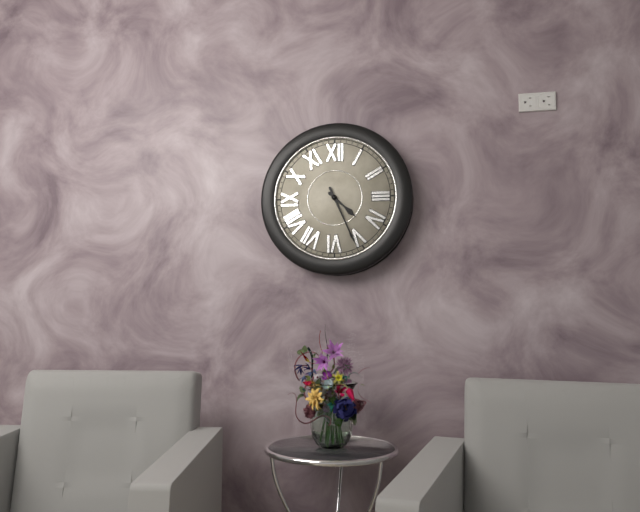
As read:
{"hour": 4, "minute": 26}
